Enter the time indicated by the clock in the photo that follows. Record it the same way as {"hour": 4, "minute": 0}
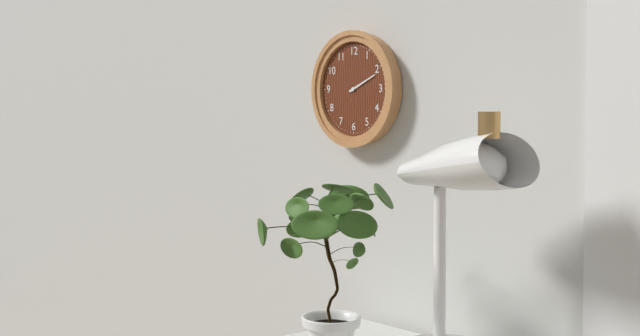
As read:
{"hour": 2, "minute": 11}
